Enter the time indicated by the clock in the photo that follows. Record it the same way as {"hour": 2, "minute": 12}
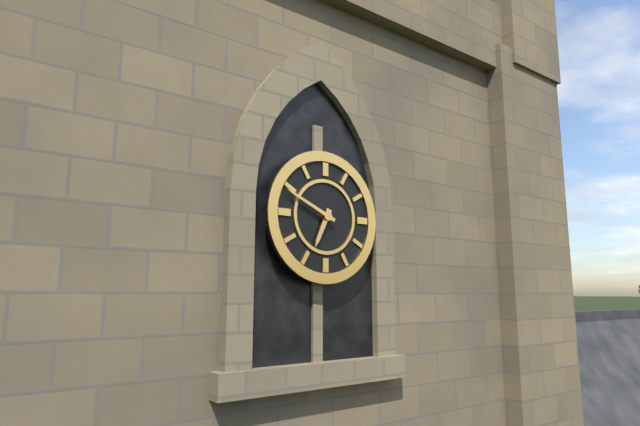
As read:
{"hour": 6, "minute": 49}
